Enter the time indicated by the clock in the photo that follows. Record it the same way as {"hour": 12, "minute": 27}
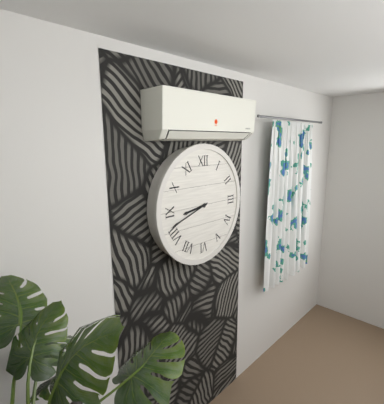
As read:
{"hour": 8, "minute": 42}
